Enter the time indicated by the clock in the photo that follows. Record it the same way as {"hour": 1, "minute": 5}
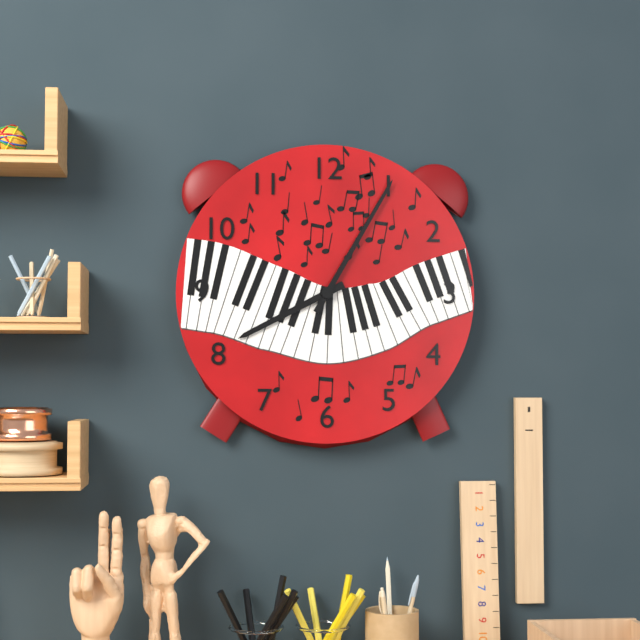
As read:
{"hour": 8, "minute": 5}
